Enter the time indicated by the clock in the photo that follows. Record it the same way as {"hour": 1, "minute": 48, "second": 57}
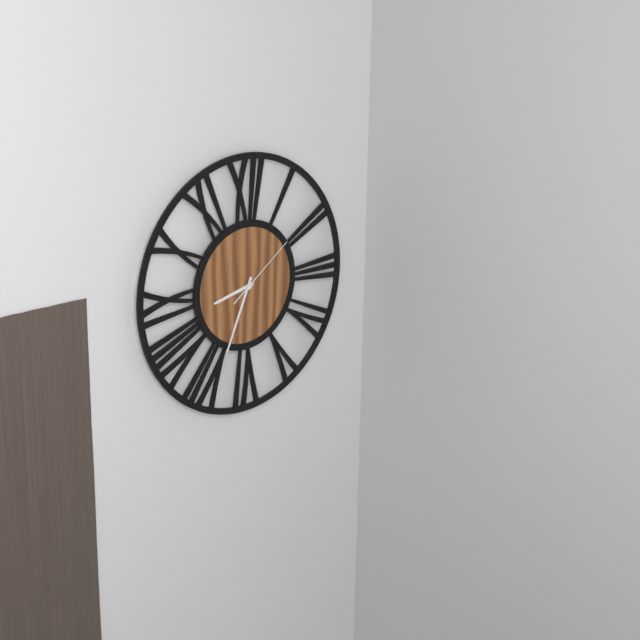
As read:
{"hour": 8, "minute": 34, "second": 9}
